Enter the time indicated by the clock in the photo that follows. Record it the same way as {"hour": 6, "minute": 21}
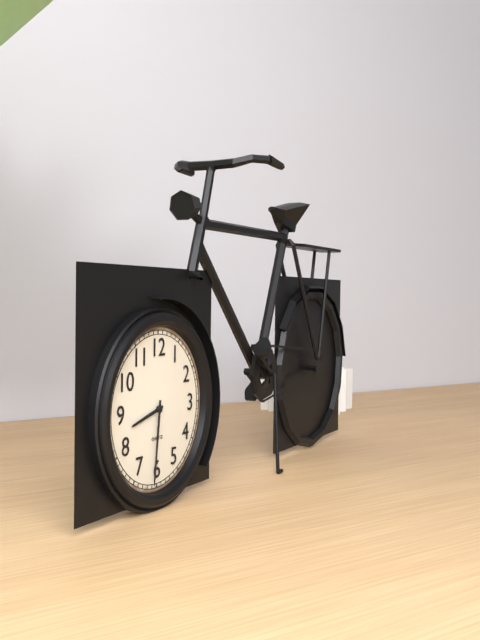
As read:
{"hour": 8, "minute": 31}
